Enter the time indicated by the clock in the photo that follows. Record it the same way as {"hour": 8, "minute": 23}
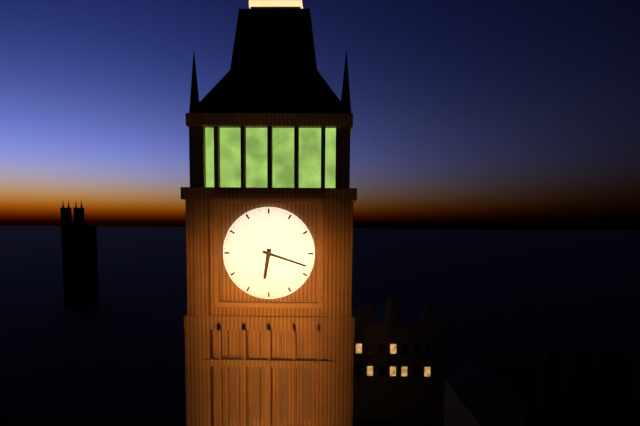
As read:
{"hour": 6, "minute": 18}
